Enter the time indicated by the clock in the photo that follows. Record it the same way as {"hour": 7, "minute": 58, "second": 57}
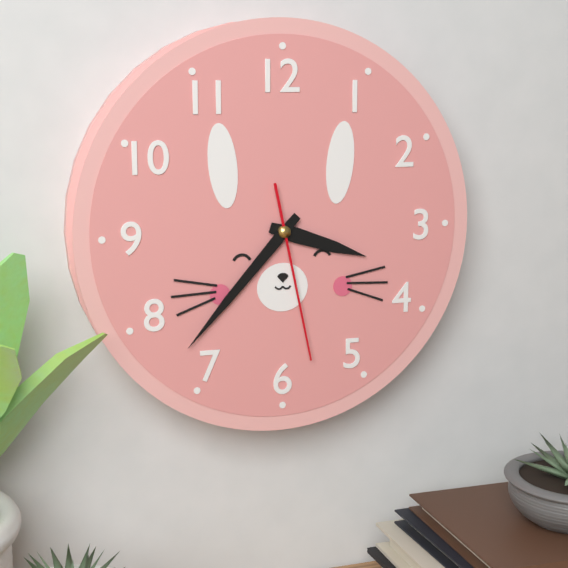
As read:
{"hour": 3, "minute": 37, "second": 28}
